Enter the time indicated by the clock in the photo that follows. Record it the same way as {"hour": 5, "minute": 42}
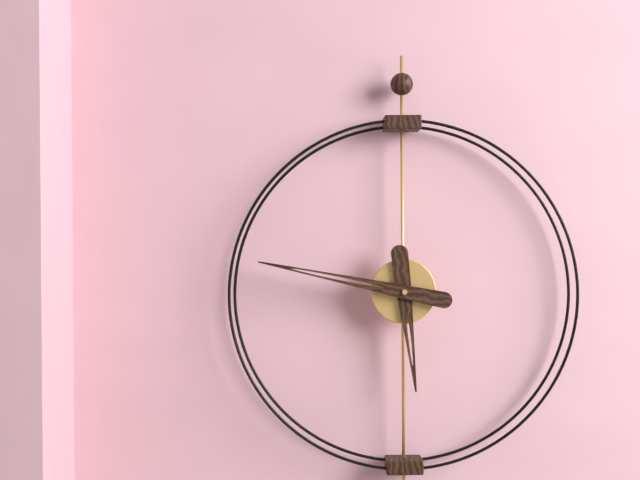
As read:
{"hour": 5, "minute": 47}
